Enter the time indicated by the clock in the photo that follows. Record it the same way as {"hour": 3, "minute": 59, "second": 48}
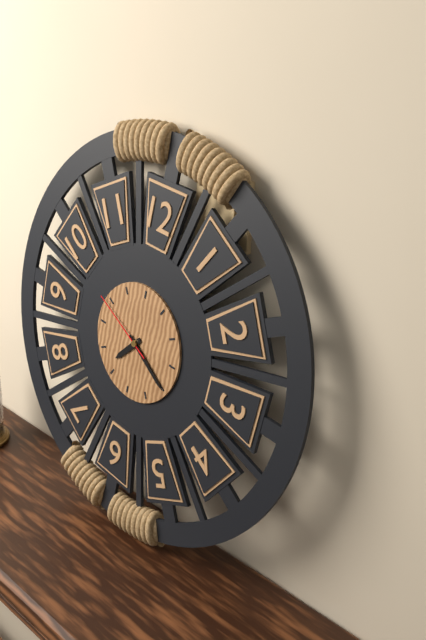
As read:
{"hour": 7, "minute": 20, "second": 49}
